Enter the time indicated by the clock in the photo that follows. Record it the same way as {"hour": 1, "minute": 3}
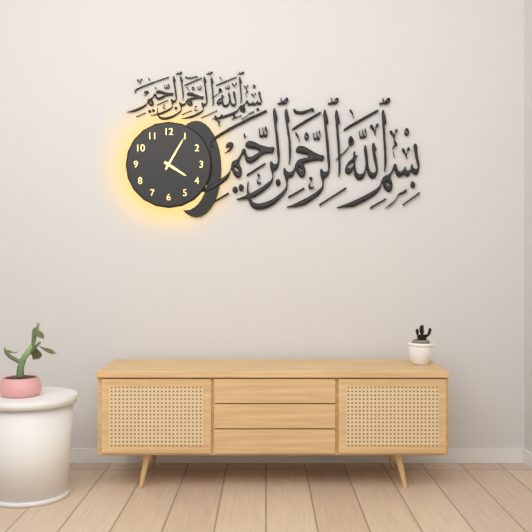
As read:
{"hour": 4, "minute": 5}
